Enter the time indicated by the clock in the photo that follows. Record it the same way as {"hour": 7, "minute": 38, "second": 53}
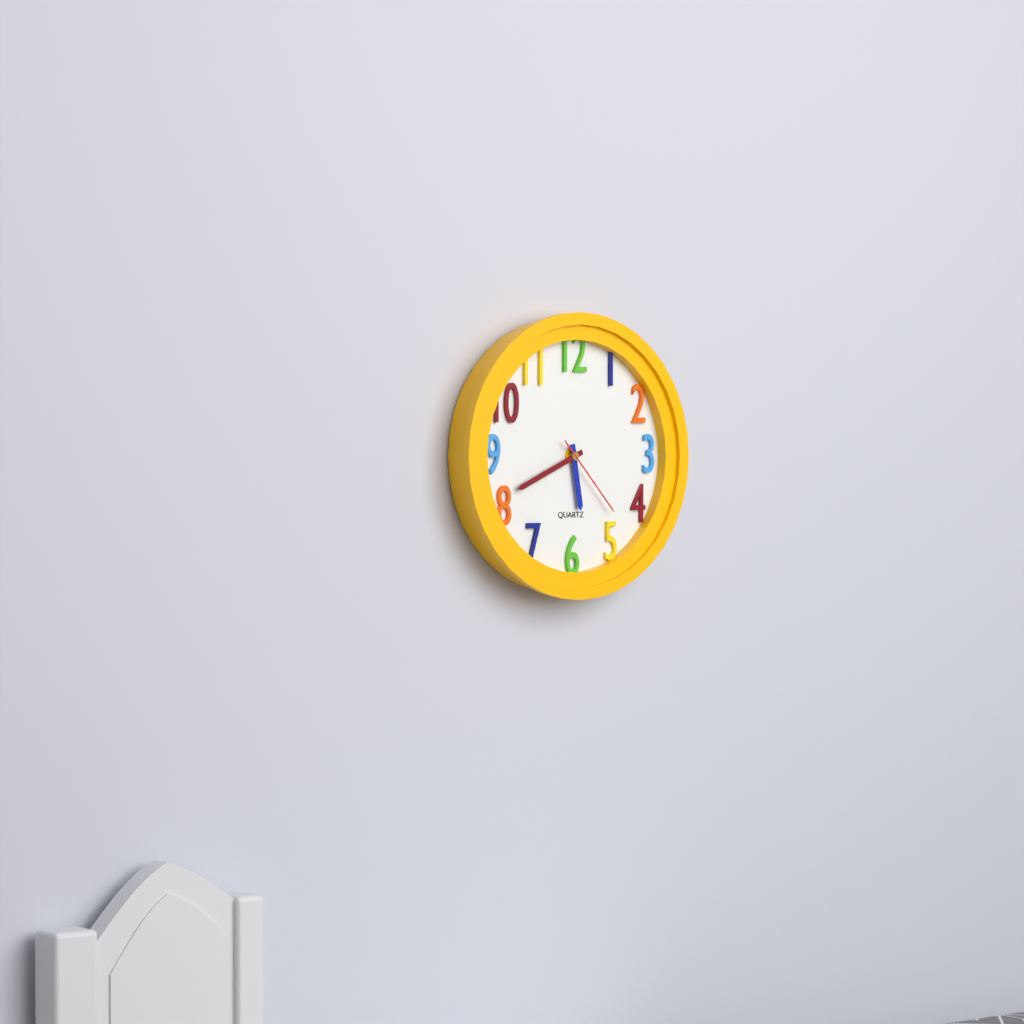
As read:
{"hour": 5, "minute": 41, "second": 23}
